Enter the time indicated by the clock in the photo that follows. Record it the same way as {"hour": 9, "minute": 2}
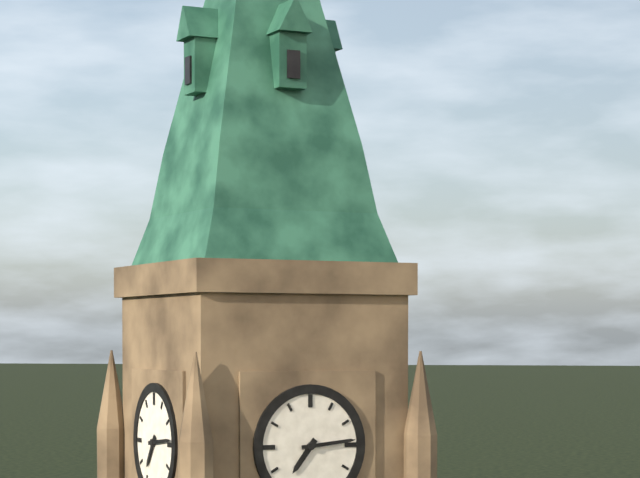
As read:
{"hour": 7, "minute": 14}
